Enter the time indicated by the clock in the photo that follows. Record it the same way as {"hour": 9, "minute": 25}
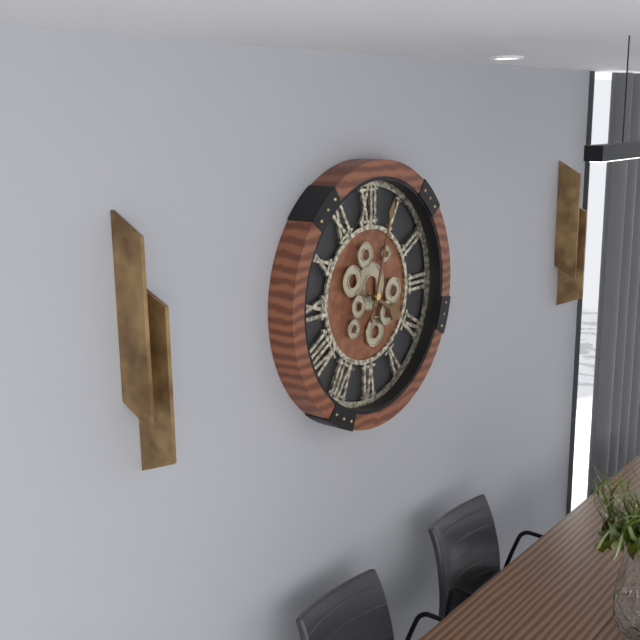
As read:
{"hour": 4, "minute": 3}
